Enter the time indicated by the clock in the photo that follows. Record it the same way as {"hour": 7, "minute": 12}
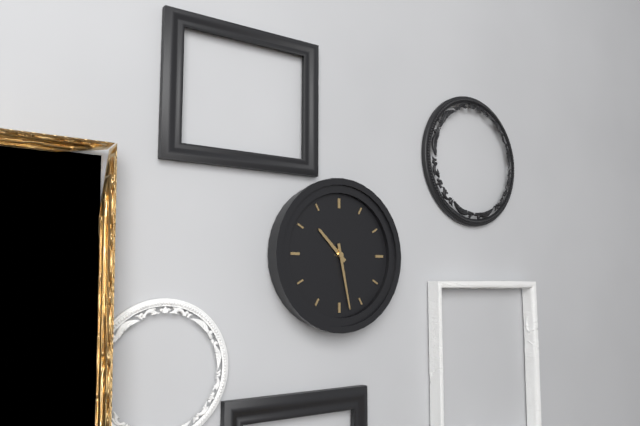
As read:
{"hour": 10, "minute": 28}
